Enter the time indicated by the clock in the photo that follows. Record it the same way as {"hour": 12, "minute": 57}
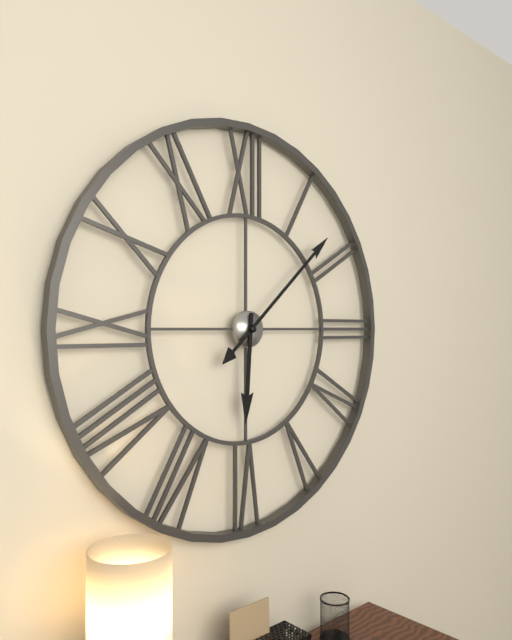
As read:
{"hour": 6, "minute": 8}
